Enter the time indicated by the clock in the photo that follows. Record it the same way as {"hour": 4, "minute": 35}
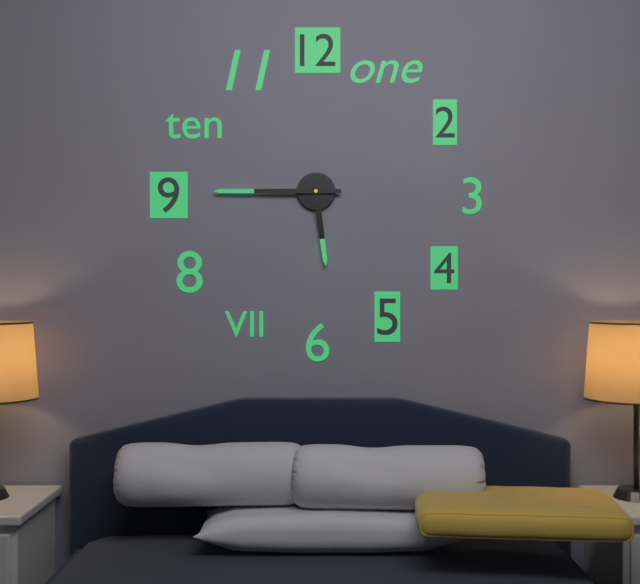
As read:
{"hour": 5, "minute": 45}
